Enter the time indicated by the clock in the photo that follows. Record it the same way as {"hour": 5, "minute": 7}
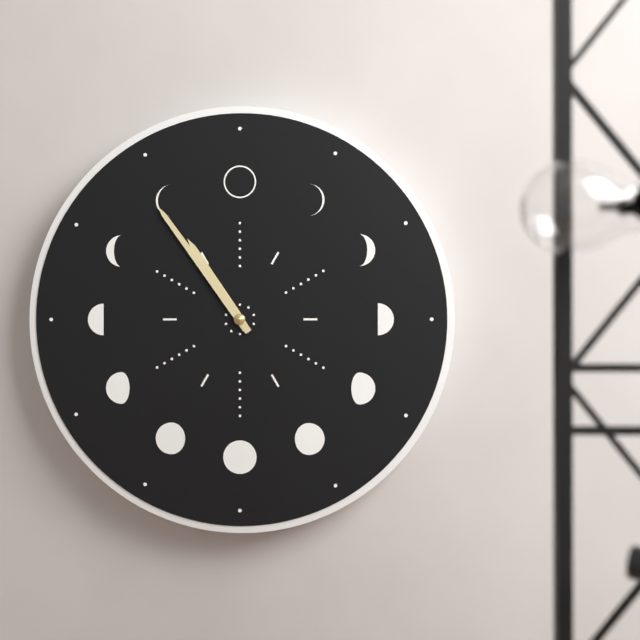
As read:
{"hour": 10, "minute": 54}
